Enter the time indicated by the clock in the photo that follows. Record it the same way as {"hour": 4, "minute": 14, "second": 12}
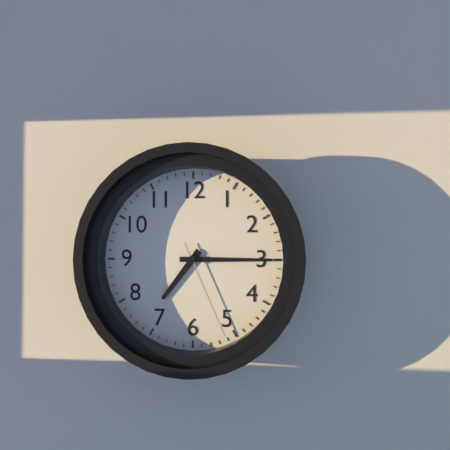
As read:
{"hour": 7, "minute": 15, "second": 26}
